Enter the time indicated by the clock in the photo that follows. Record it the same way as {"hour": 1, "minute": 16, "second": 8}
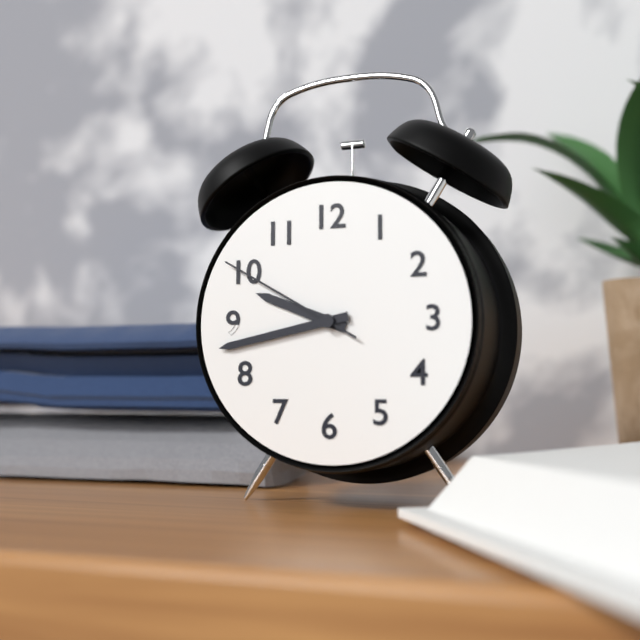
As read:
{"hour": 9, "minute": 43, "second": 50}
